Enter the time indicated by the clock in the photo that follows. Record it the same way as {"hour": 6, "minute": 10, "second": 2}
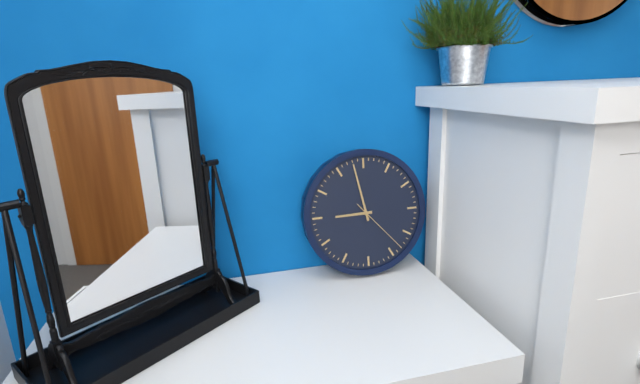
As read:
{"hour": 8, "minute": 58, "second": 23}
